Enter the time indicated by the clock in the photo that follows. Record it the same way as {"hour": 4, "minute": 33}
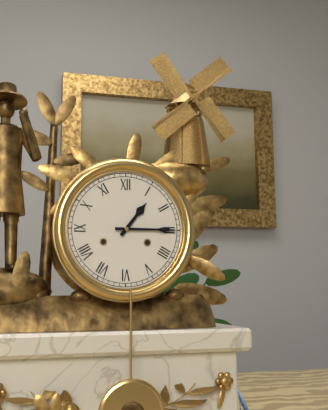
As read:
{"hour": 1, "minute": 15}
